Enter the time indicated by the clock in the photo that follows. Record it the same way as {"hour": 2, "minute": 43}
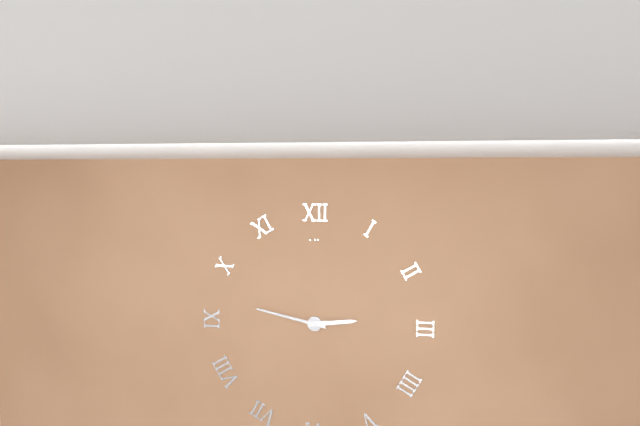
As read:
{"hour": 2, "minute": 47}
